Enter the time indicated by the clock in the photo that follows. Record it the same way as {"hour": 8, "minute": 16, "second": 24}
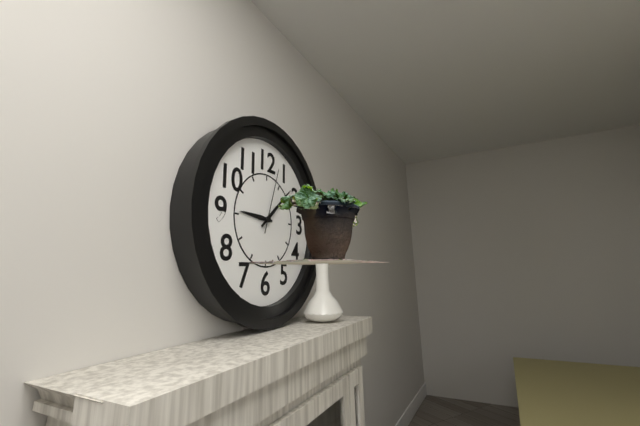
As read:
{"hour": 9, "minute": 8, "second": 3}
